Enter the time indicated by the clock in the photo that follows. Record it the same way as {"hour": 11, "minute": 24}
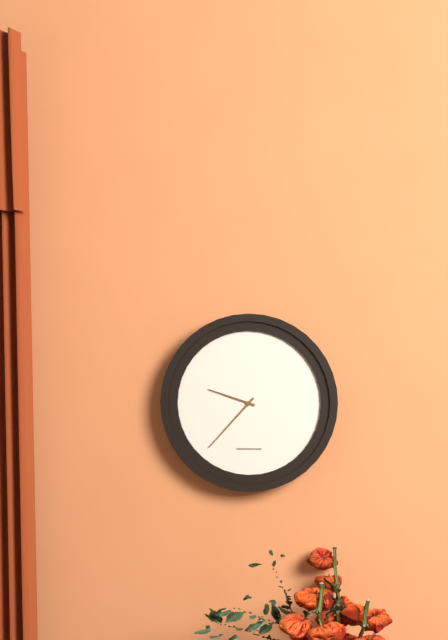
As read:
{"hour": 9, "minute": 37}
